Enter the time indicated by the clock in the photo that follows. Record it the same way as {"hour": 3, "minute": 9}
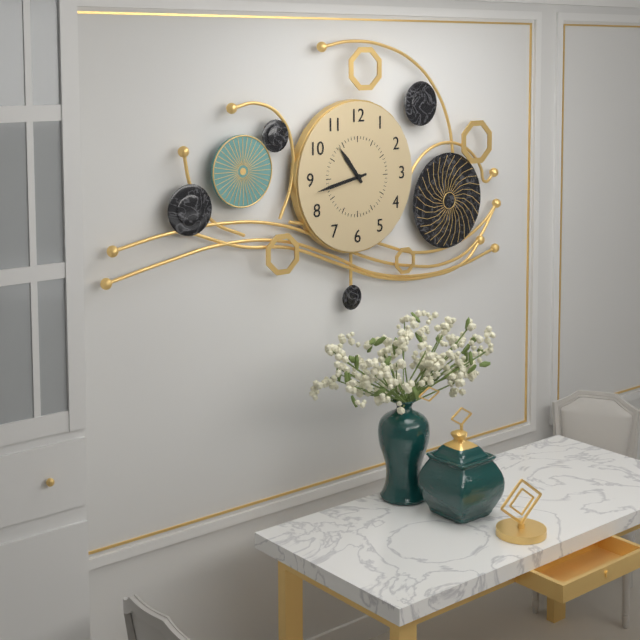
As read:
{"hour": 10, "minute": 43}
